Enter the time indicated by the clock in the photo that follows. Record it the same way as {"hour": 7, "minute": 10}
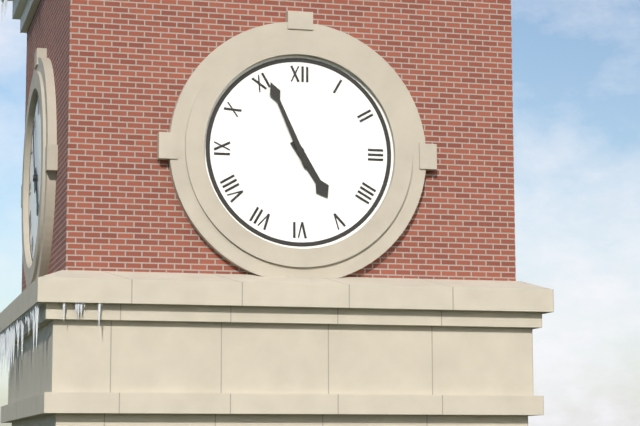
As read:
{"hour": 4, "minute": 56}
